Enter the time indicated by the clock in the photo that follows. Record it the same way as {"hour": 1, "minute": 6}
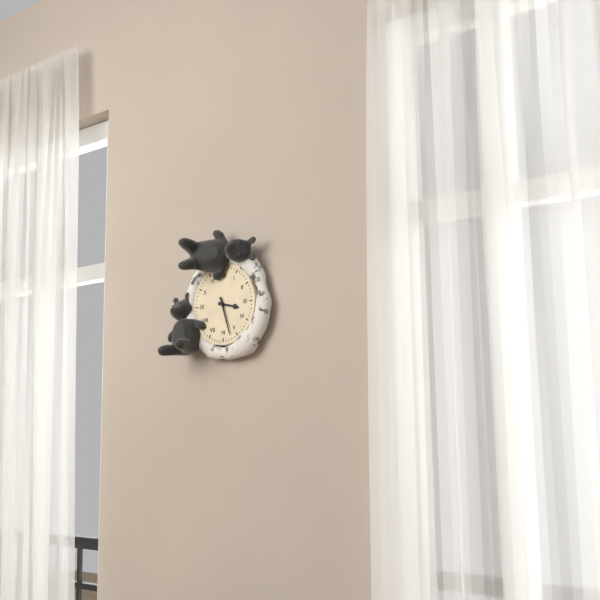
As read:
{"hour": 3, "minute": 27}
